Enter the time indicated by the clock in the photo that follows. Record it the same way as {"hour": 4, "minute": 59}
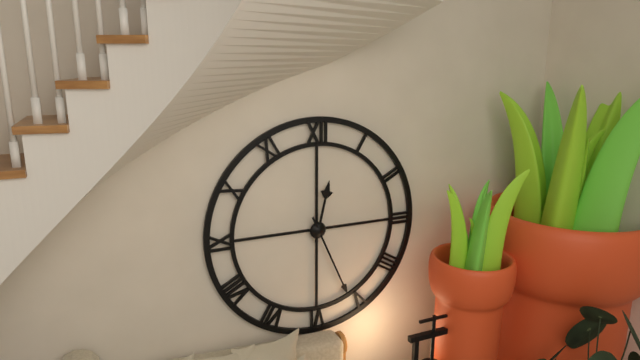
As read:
{"hour": 12, "minute": 26}
